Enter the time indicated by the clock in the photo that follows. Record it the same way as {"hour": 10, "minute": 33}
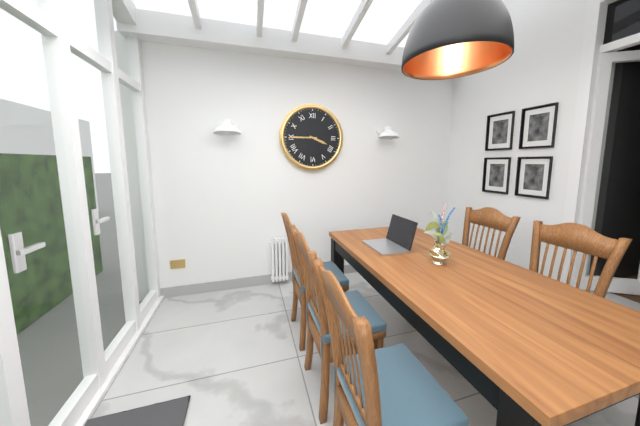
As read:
{"hour": 3, "minute": 45}
